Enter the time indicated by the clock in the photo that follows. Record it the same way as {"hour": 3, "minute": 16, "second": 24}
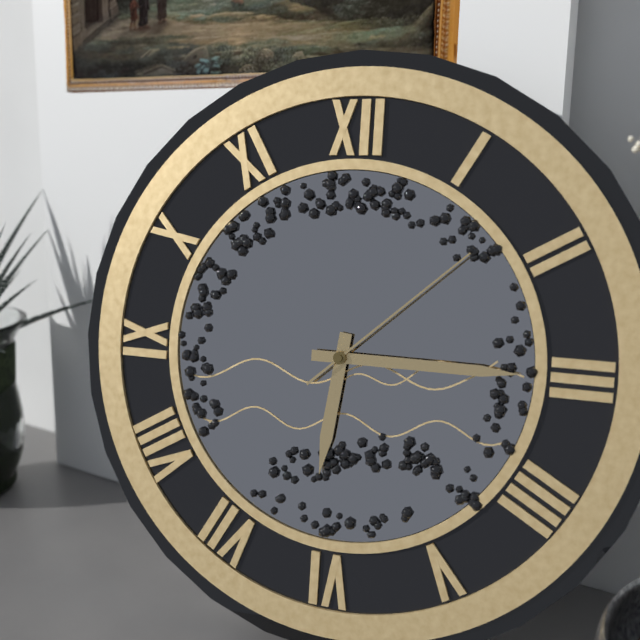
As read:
{"hour": 6, "minute": 15, "second": 8}
